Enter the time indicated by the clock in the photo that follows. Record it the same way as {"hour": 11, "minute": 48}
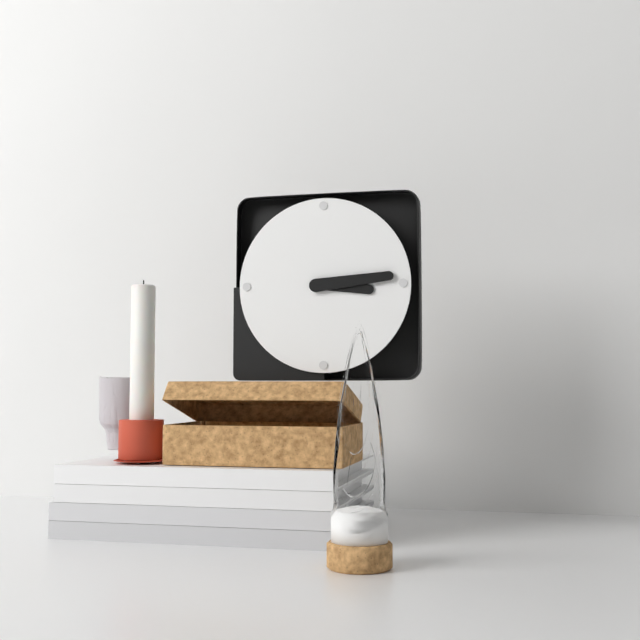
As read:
{"hour": 3, "minute": 14}
